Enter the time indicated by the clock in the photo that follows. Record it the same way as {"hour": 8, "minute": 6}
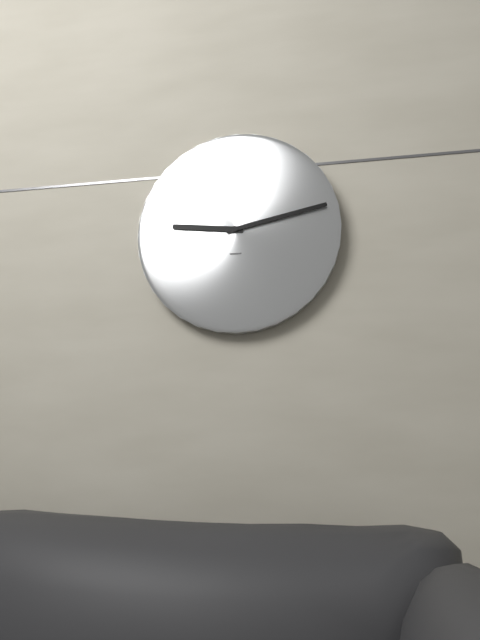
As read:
{"hour": 9, "minute": 13}
